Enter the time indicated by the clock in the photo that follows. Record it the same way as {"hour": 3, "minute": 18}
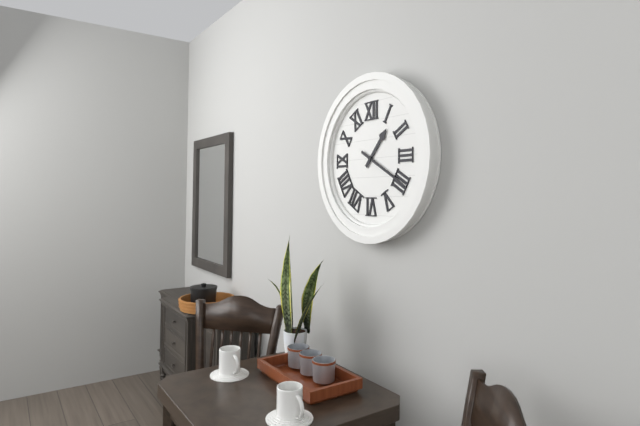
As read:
{"hour": 1, "minute": 20}
